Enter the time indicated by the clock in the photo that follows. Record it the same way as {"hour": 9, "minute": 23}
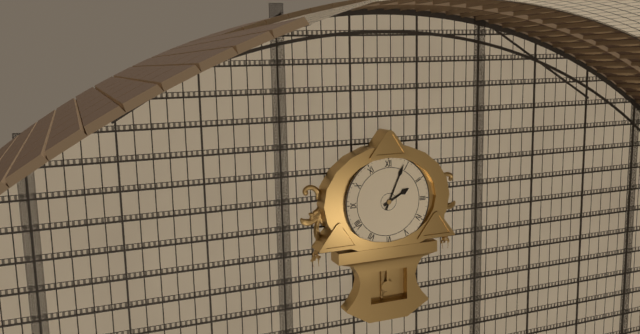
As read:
{"hour": 2, "minute": 4}
